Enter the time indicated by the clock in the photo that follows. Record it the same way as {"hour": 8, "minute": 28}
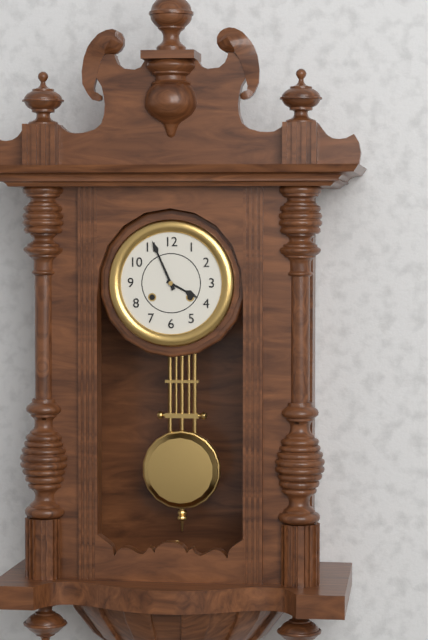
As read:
{"hour": 3, "minute": 56}
